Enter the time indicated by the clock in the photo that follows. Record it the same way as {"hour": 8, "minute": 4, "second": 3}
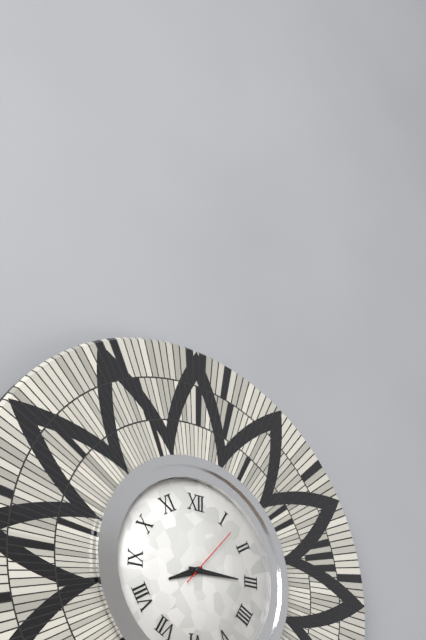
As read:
{"hour": 8, "minute": 15, "second": 7}
